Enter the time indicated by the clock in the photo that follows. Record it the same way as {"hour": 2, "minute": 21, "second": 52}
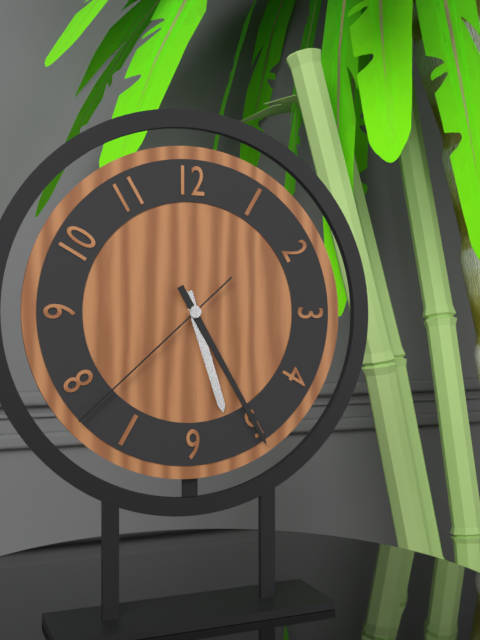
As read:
{"hour": 5, "minute": 25, "second": 38}
